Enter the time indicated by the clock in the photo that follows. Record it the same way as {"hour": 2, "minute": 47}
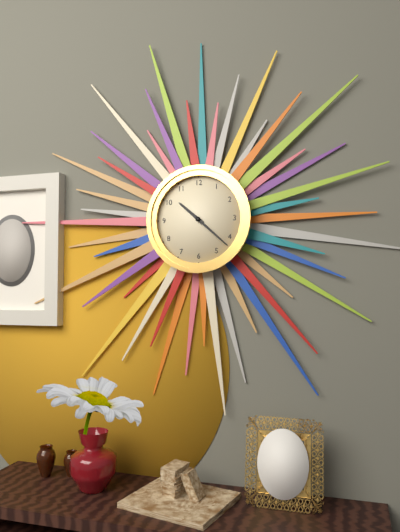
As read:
{"hour": 10, "minute": 22}
